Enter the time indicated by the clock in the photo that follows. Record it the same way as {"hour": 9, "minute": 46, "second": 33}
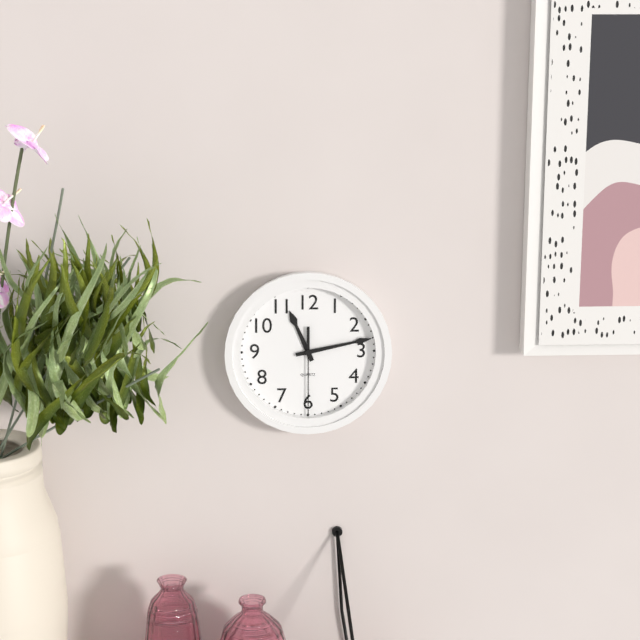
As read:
{"hour": 11, "minute": 13, "second": 30}
